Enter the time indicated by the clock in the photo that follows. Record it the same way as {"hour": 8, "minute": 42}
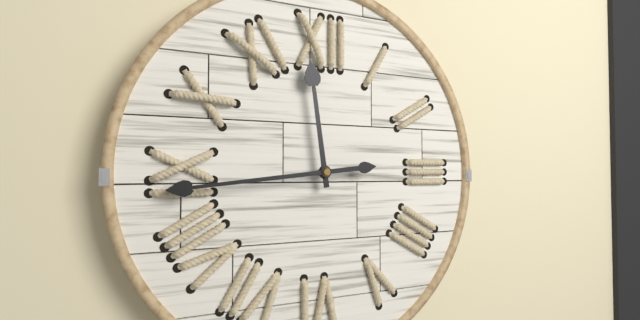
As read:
{"hour": 11, "minute": 44}
